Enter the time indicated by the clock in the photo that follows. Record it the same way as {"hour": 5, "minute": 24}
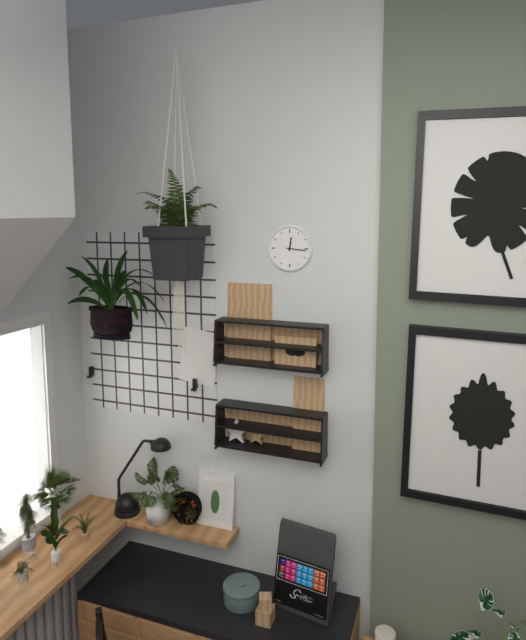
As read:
{"hour": 12, "minute": 16}
